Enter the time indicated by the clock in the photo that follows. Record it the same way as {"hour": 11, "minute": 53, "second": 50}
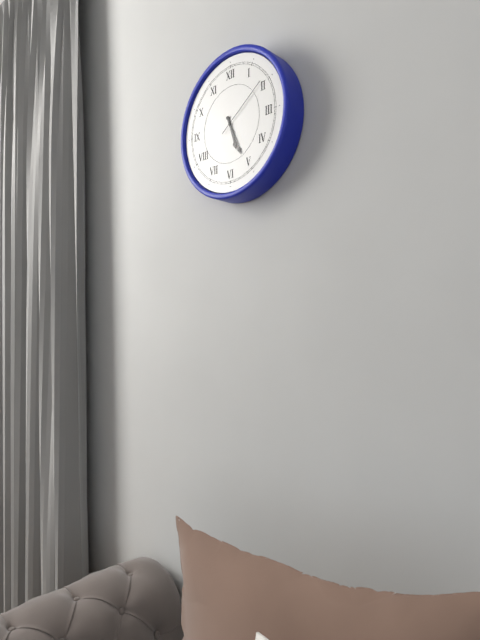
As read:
{"hour": 5, "minute": 26, "second": 9}
